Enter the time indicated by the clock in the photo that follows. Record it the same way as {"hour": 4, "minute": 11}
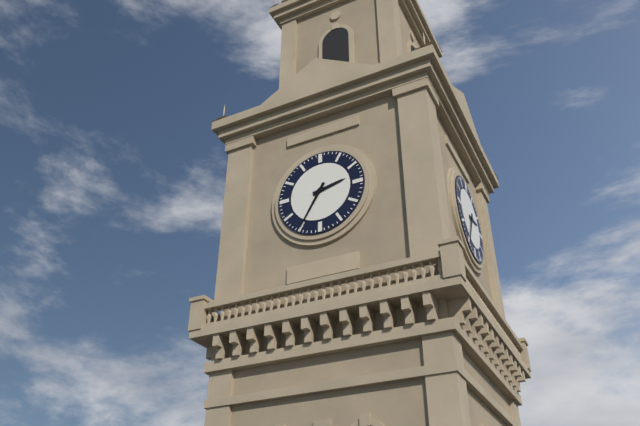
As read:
{"hour": 2, "minute": 35}
